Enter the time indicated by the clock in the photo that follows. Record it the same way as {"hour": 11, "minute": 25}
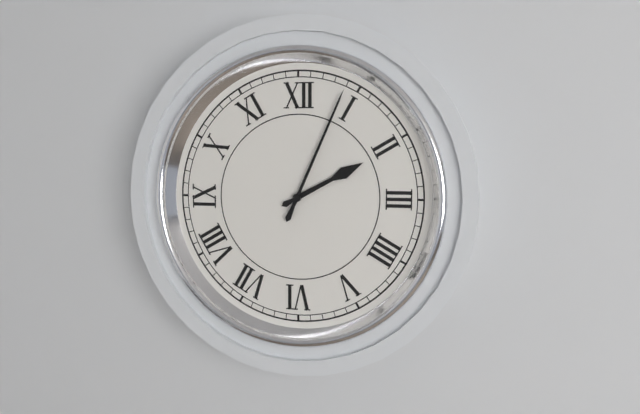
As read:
{"hour": 2, "minute": 4}
